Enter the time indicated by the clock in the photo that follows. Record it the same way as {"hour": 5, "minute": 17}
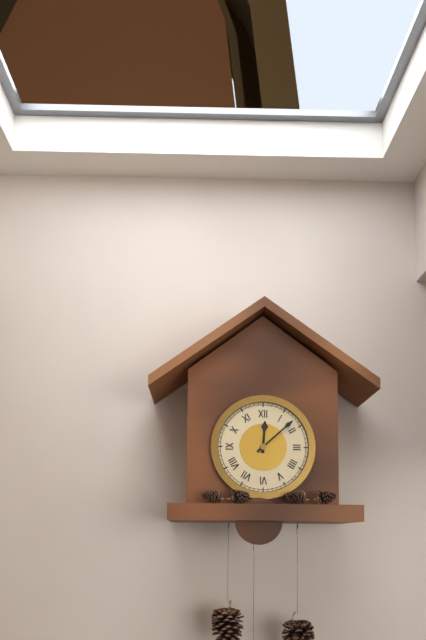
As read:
{"hour": 12, "minute": 8}
